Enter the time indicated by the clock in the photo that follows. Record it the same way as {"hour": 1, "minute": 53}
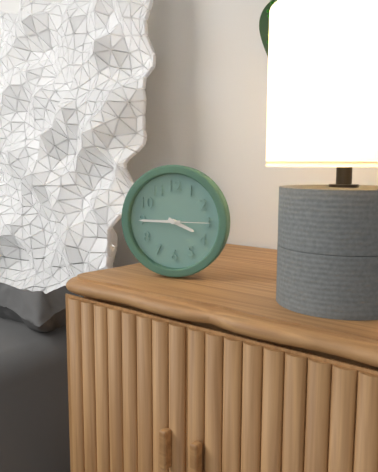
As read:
{"hour": 3, "minute": 45}
